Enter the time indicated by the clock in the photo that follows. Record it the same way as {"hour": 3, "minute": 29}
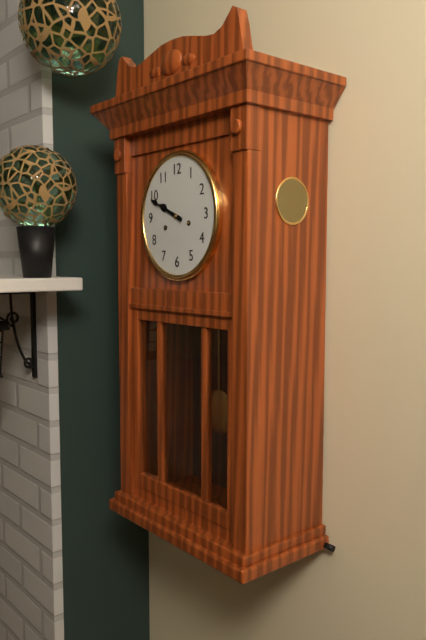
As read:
{"hour": 9, "minute": 49}
